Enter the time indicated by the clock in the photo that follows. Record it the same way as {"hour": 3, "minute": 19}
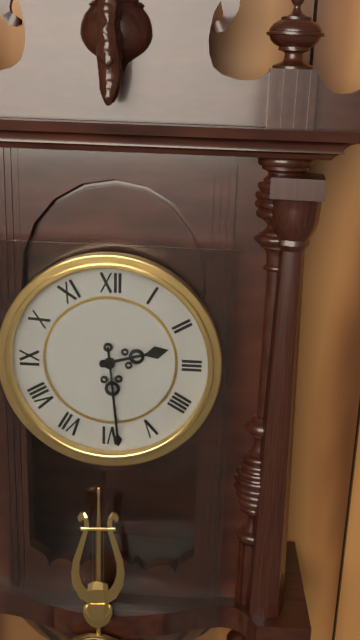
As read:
{"hour": 2, "minute": 29}
